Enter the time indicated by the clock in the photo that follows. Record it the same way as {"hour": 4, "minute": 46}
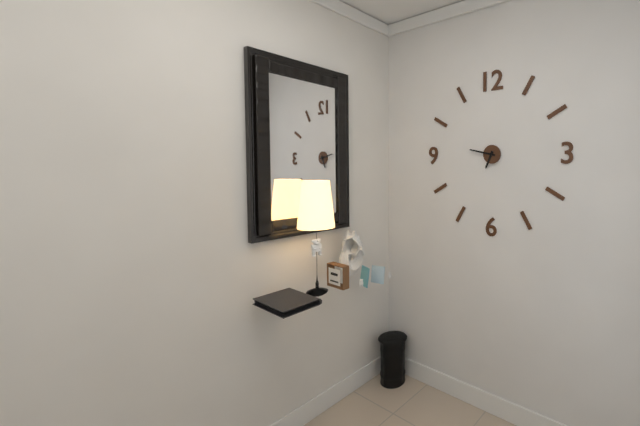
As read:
{"hour": 6, "minute": 47}
